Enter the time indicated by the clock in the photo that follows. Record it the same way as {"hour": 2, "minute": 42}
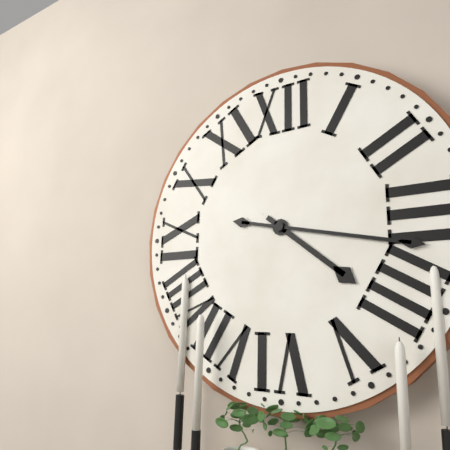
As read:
{"hour": 4, "minute": 17}
